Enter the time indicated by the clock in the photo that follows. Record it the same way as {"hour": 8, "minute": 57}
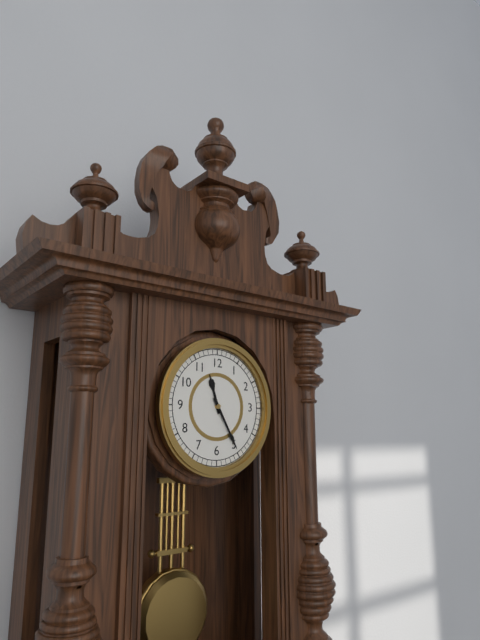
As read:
{"hour": 11, "minute": 25}
